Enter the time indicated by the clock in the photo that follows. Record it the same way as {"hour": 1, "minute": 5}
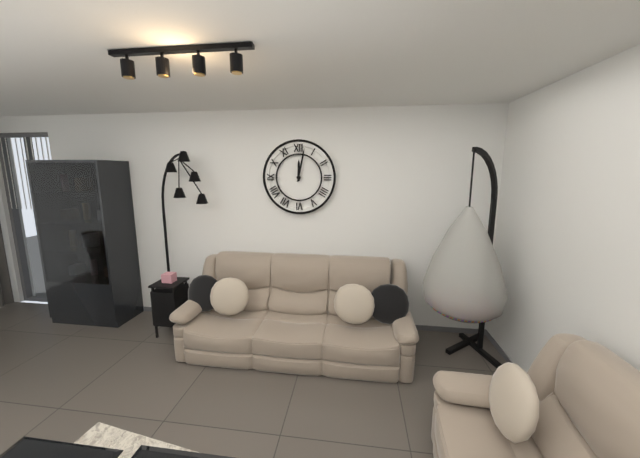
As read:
{"hour": 12, "minute": 2}
